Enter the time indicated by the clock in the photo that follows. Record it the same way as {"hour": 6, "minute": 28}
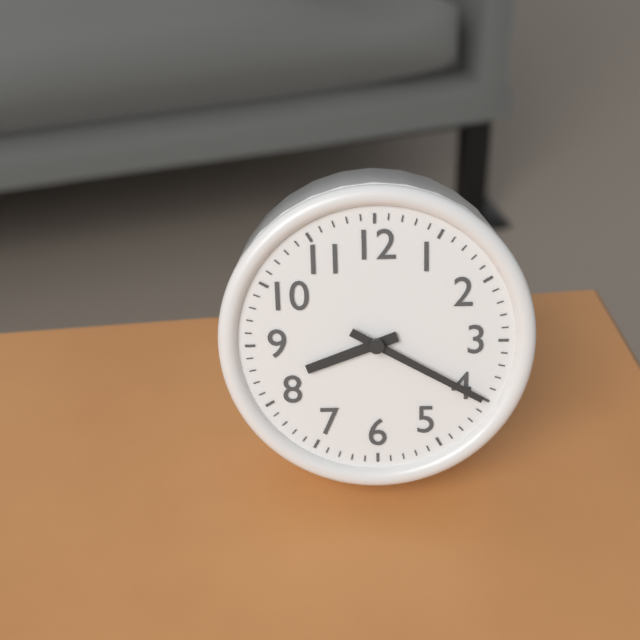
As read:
{"hour": 8, "minute": 20}
